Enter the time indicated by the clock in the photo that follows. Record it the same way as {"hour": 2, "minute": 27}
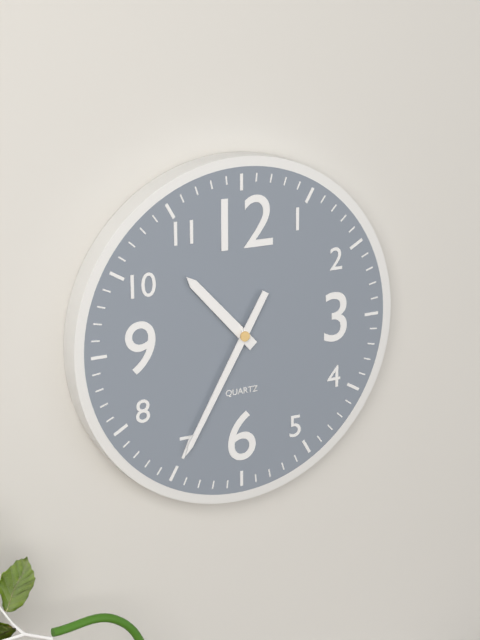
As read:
{"hour": 10, "minute": 35}
